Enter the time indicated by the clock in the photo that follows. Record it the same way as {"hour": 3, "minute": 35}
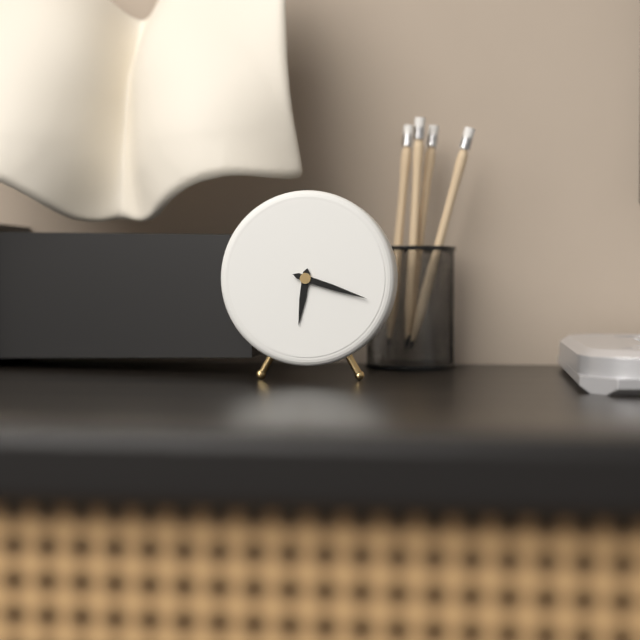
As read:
{"hour": 6, "minute": 18}
